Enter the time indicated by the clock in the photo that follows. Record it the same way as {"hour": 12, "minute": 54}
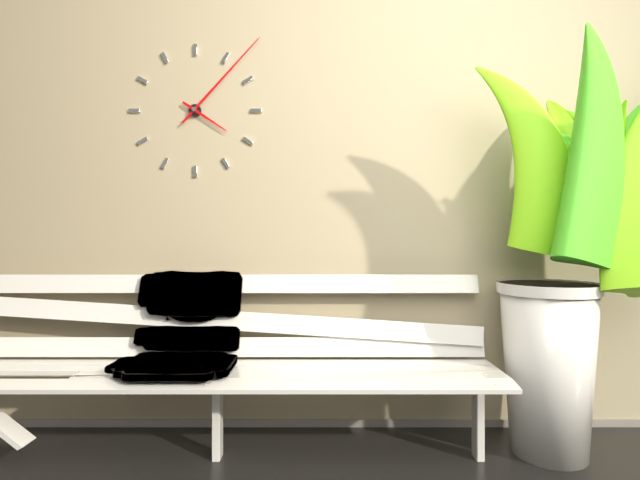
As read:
{"hour": 4, "minute": 7}
